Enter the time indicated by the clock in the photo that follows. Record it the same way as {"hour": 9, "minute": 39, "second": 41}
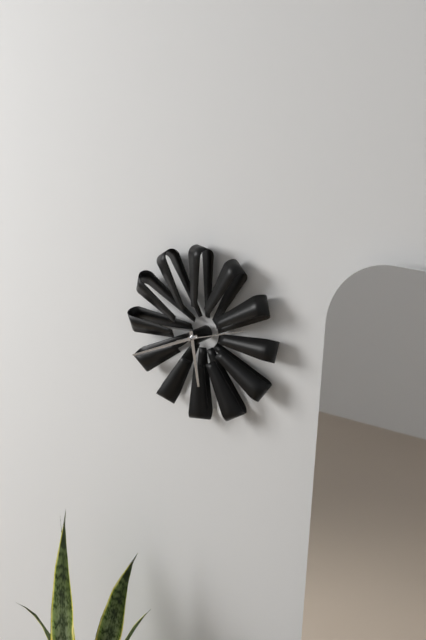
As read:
{"hour": 5, "minute": 41, "second": 12}
